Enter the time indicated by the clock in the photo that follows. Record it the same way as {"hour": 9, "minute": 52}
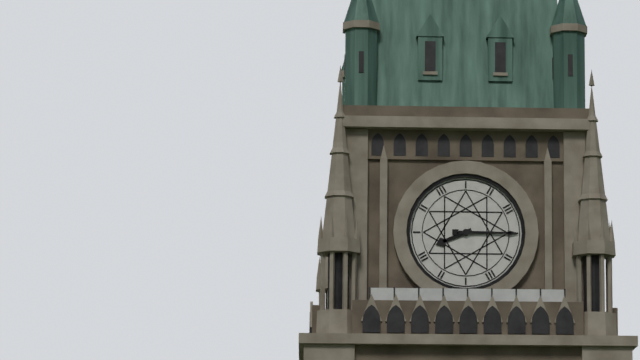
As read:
{"hour": 8, "minute": 15}
